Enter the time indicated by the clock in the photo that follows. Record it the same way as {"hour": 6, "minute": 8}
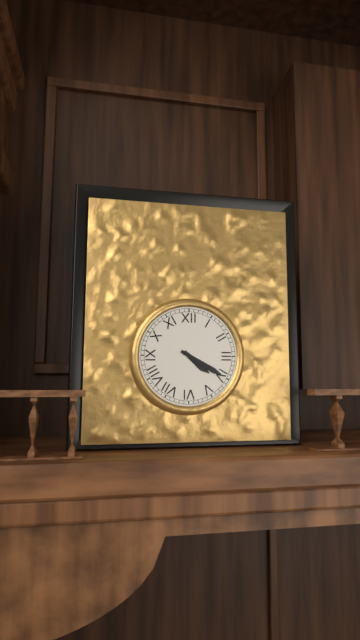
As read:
{"hour": 4, "minute": 20}
